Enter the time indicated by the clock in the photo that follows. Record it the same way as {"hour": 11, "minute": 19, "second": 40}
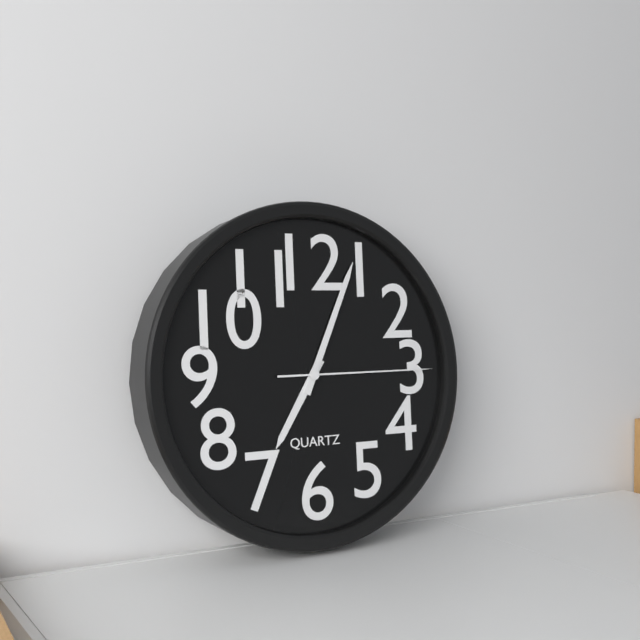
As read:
{"hour": 7, "minute": 4, "second": 15}
